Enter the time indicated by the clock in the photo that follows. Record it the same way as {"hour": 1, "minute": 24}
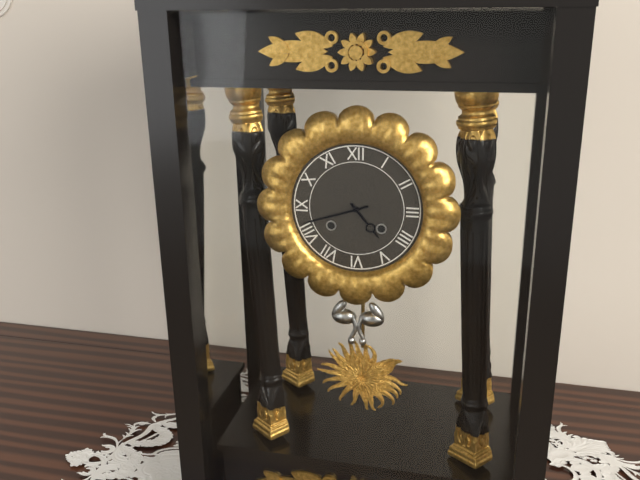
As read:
{"hour": 4, "minute": 42}
